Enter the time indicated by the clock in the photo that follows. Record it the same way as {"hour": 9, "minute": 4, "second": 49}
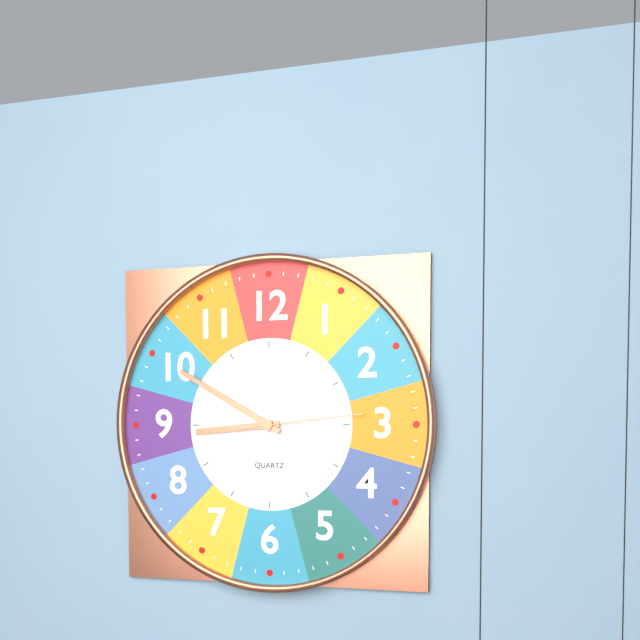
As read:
{"hour": 8, "minute": 50, "second": 14}
